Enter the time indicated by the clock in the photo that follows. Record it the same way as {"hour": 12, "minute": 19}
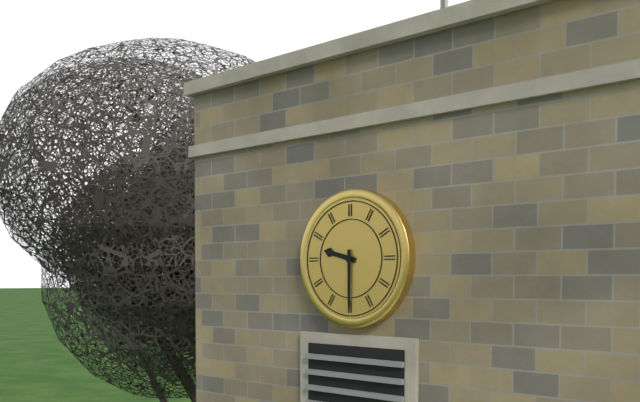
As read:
{"hour": 9, "minute": 30}
